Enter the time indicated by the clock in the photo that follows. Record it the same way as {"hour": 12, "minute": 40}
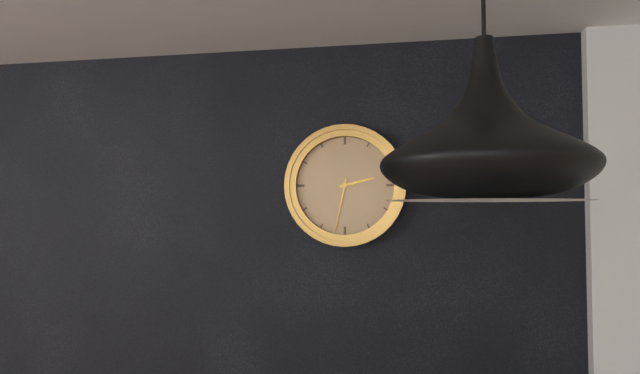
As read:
{"hour": 2, "minute": 32}
